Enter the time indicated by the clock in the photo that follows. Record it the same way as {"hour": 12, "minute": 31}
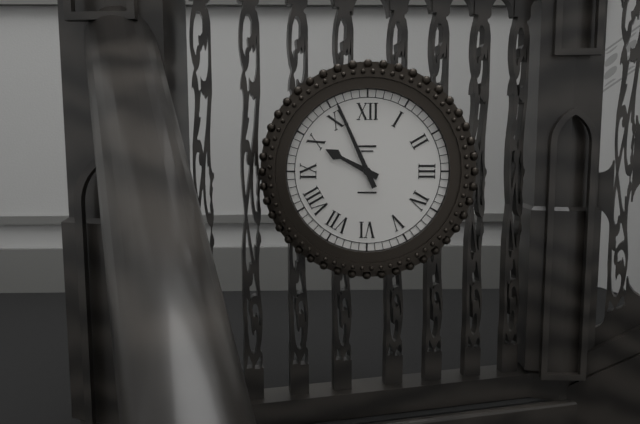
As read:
{"hour": 9, "minute": 56}
